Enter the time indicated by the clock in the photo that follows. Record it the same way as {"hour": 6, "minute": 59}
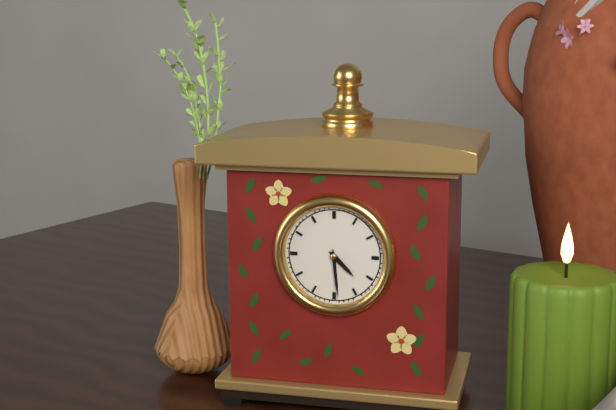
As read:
{"hour": 4, "minute": 29}
